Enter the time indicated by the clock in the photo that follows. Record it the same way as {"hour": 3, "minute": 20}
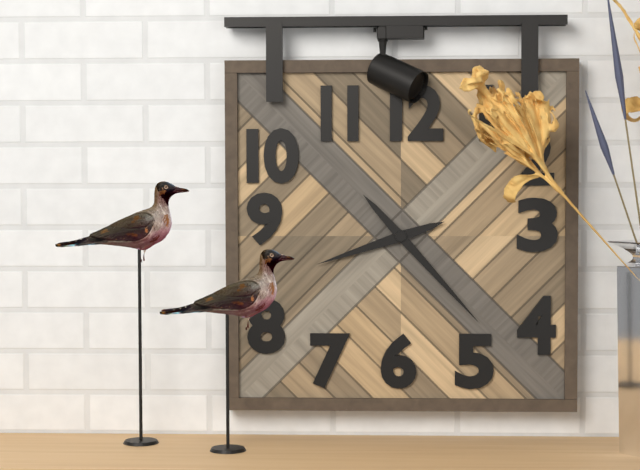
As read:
{"hour": 8, "minute": 23}
